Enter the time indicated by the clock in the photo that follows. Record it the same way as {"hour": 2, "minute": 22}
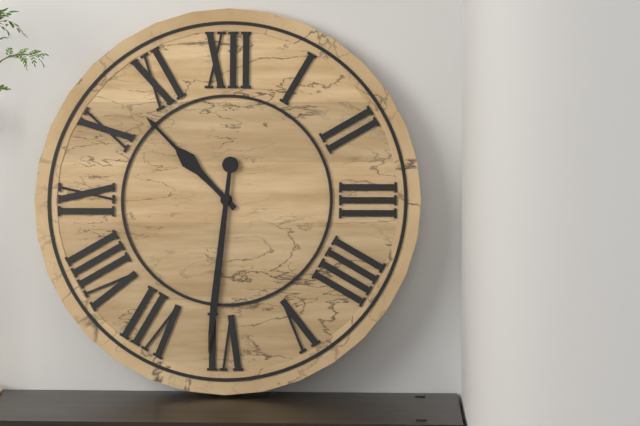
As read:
{"hour": 10, "minute": 31}
